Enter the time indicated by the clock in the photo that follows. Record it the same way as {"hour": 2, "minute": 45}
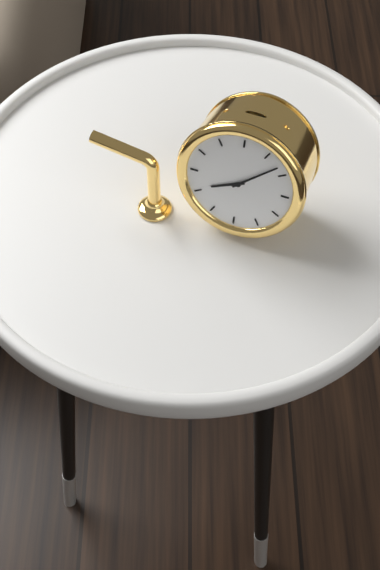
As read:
{"hour": 8, "minute": 8}
